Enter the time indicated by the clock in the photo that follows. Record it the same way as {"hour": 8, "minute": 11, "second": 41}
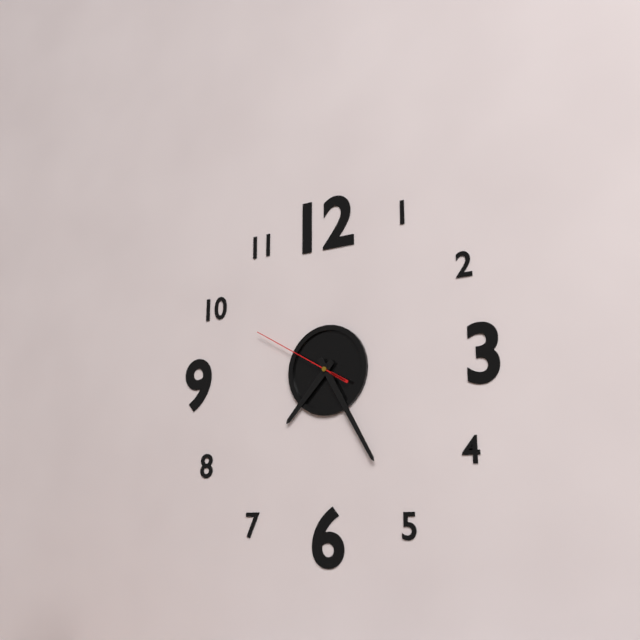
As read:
{"hour": 7, "minute": 25, "second": 50}
